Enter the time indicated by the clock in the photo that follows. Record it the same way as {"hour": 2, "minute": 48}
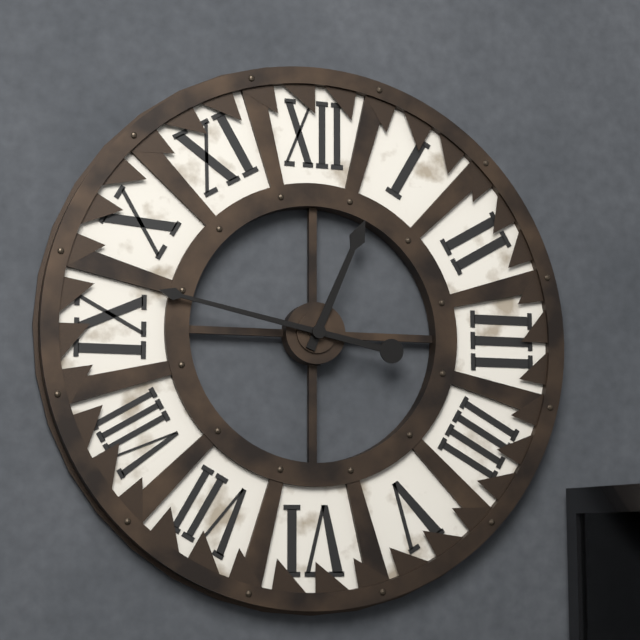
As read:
{"hour": 12, "minute": 47}
